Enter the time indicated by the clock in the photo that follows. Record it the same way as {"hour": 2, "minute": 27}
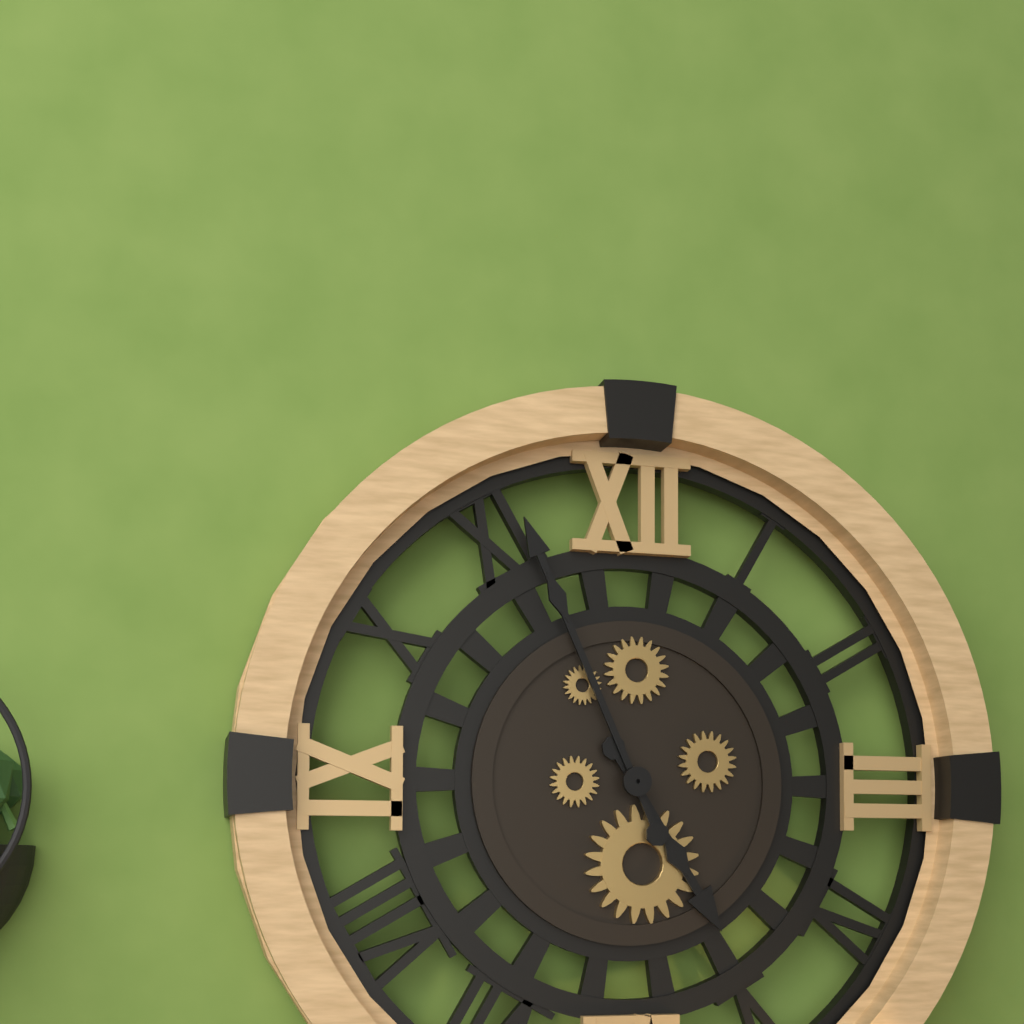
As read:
{"hour": 4, "minute": 56}
